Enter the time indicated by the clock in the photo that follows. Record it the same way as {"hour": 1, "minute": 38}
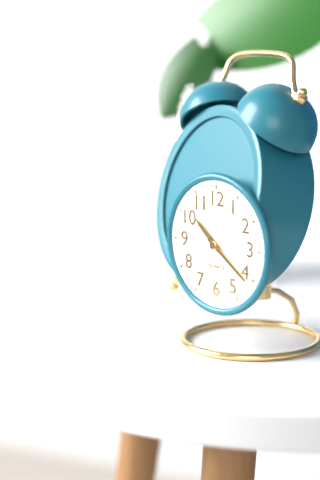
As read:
{"hour": 10, "minute": 21}
